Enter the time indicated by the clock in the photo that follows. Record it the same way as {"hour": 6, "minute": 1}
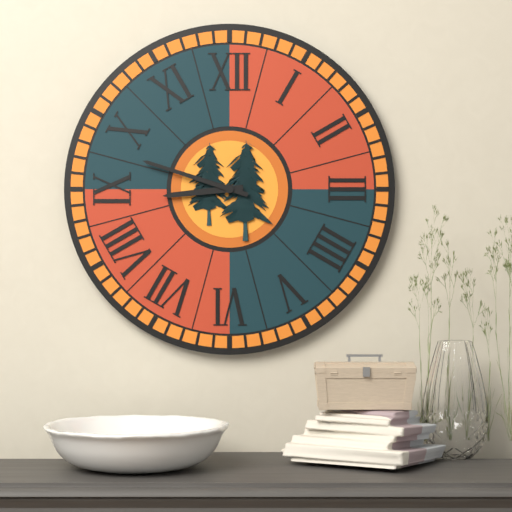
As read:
{"hour": 8, "minute": 48}
